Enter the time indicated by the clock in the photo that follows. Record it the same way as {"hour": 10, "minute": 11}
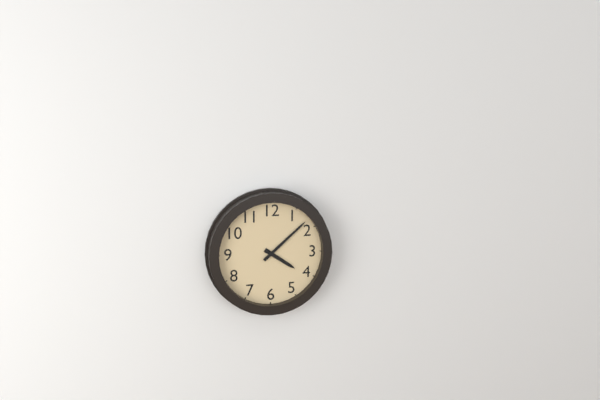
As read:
{"hour": 4, "minute": 8}
